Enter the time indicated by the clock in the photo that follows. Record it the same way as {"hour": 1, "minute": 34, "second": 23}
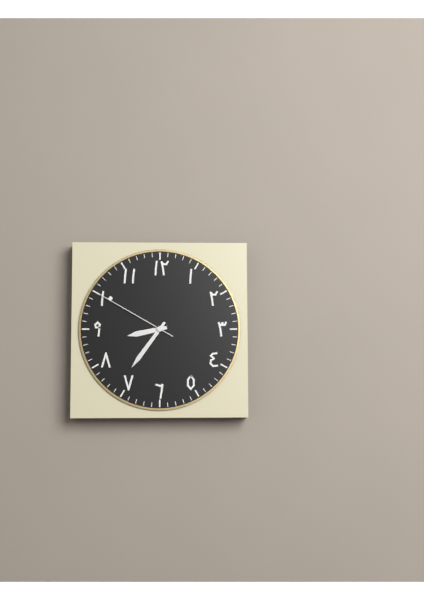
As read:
{"hour": 8, "minute": 36, "second": 50}
